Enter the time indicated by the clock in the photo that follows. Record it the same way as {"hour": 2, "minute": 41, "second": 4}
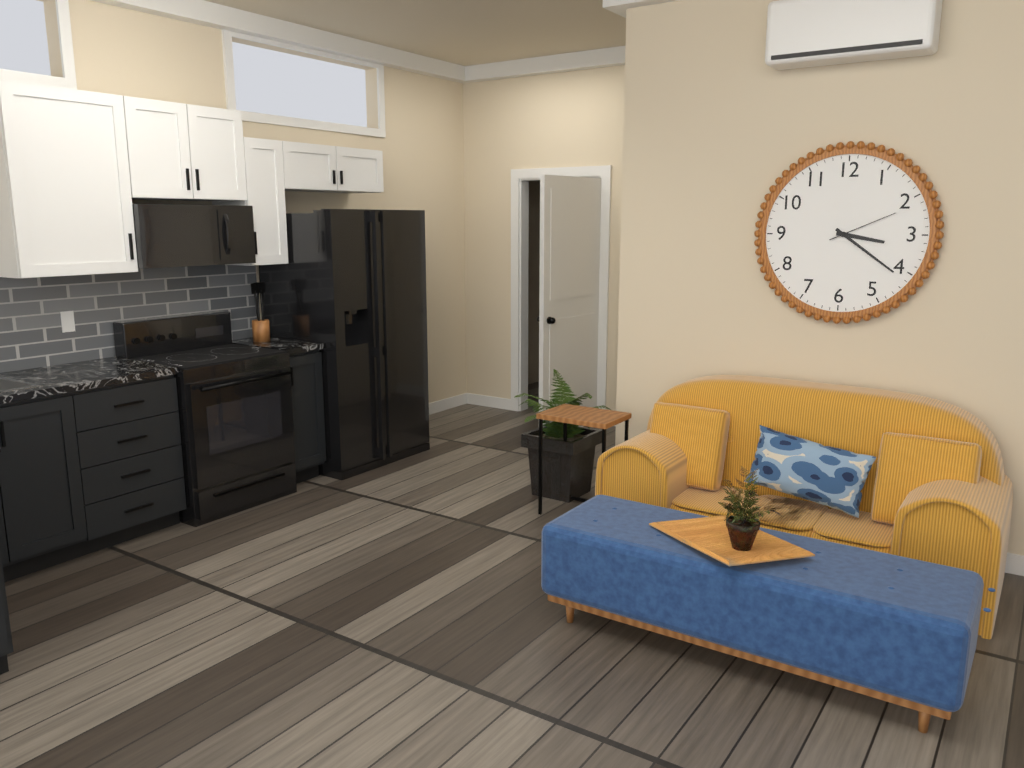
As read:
{"hour": 3, "minute": 21, "second": 11}
